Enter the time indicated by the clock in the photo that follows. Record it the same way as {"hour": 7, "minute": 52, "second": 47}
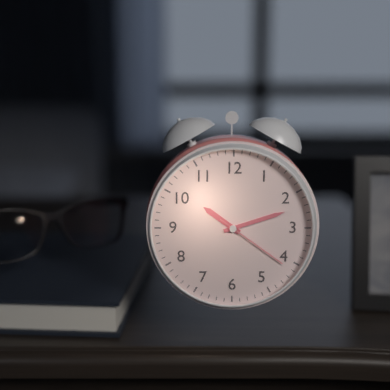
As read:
{"hour": 10, "minute": 12, "second": 21}
